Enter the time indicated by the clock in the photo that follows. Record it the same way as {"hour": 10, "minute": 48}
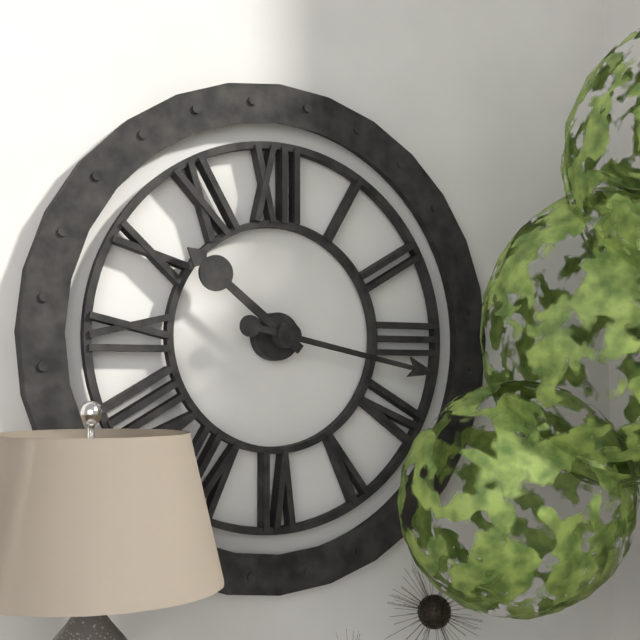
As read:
{"hour": 10, "minute": 17}
